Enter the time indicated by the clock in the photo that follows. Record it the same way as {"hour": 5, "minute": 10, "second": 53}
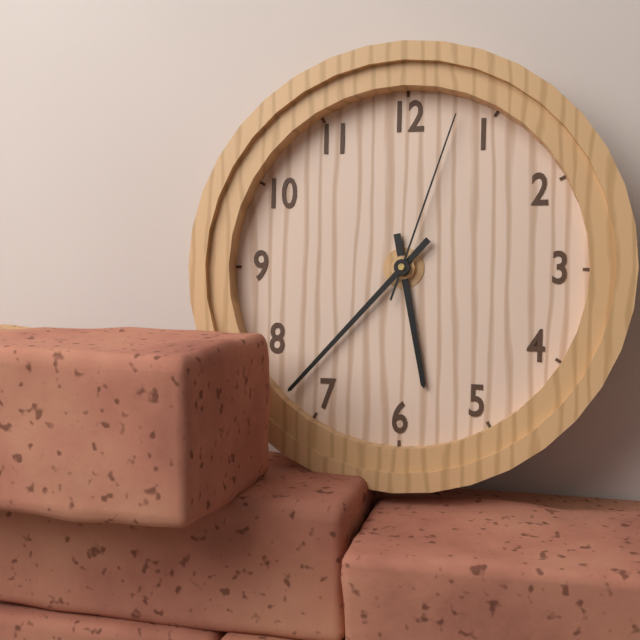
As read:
{"hour": 5, "minute": 37, "second": 3}
